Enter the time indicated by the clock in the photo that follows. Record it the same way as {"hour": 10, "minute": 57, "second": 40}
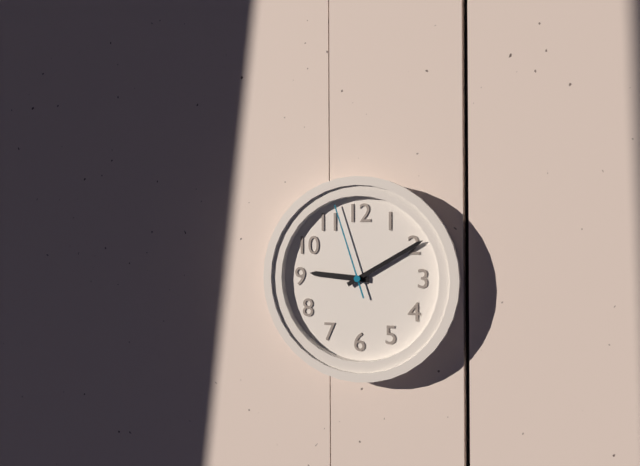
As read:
{"hour": 9, "minute": 10, "second": 57}
